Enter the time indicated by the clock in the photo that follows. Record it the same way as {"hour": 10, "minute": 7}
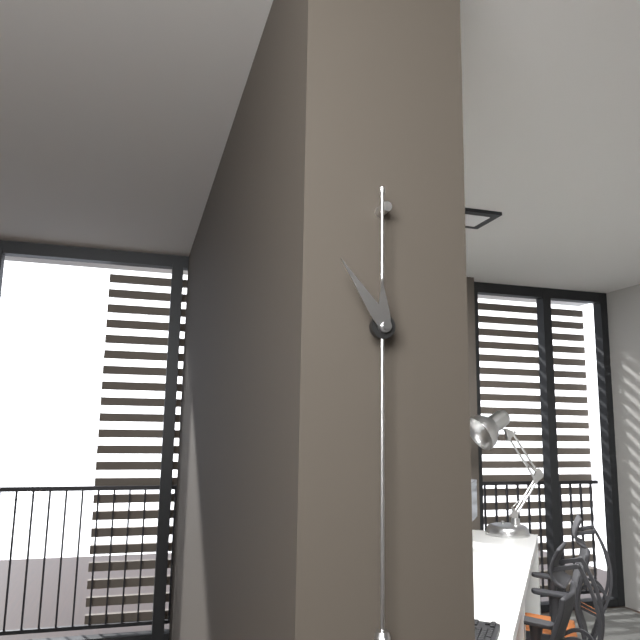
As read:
{"hour": 11, "minute": 54}
